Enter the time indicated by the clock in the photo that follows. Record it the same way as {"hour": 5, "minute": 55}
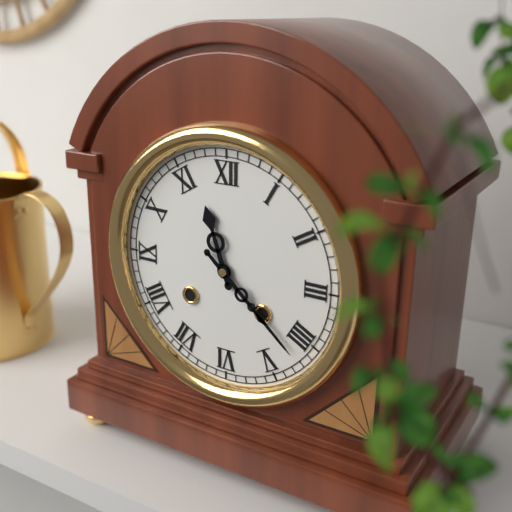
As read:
{"hour": 11, "minute": 22}
